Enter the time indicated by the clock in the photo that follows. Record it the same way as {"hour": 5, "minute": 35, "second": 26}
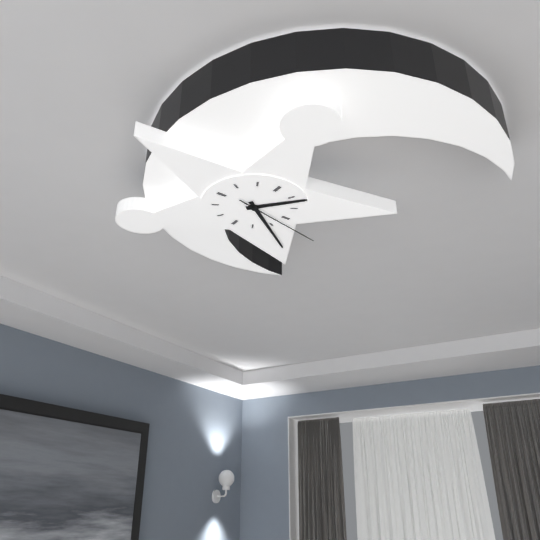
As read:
{"hour": 1, "minute": 21, "second": 17}
